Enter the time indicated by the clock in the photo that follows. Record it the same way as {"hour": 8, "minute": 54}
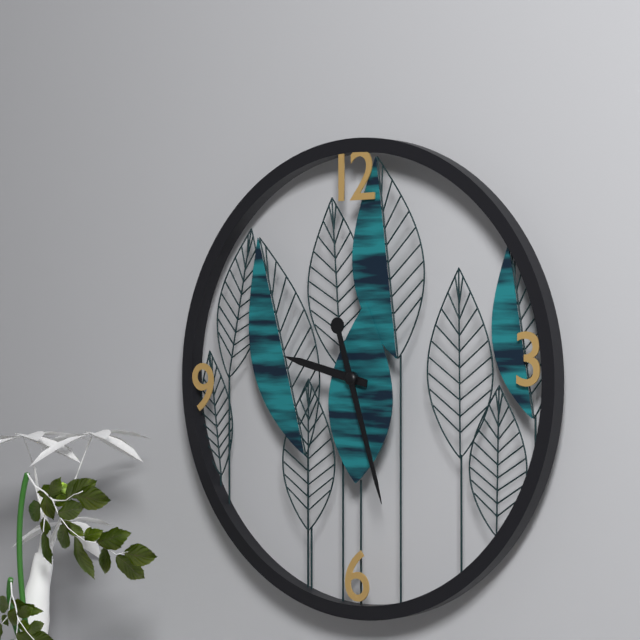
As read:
{"hour": 9, "minute": 27}
